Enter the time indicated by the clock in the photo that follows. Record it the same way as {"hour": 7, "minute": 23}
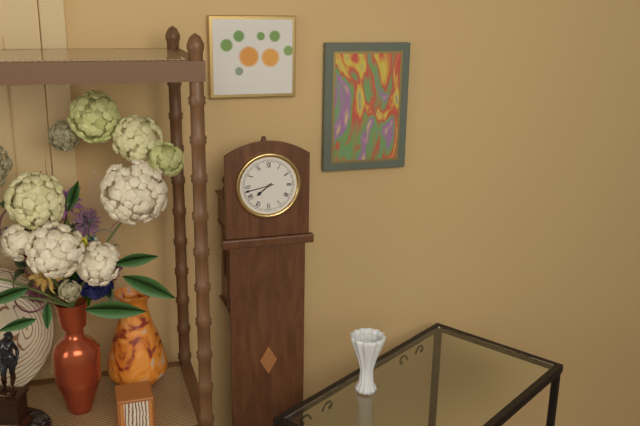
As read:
{"hour": 7, "minute": 43}
